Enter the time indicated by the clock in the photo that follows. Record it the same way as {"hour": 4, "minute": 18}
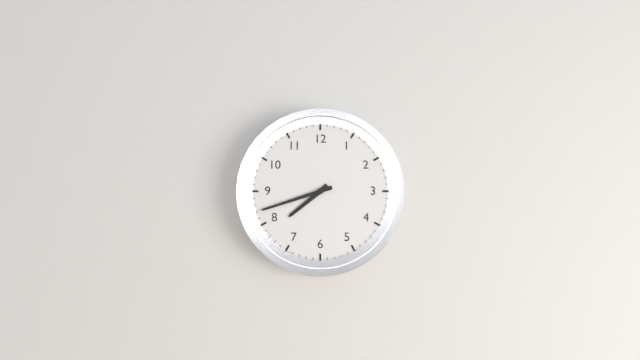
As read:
{"hour": 7, "minute": 42}
